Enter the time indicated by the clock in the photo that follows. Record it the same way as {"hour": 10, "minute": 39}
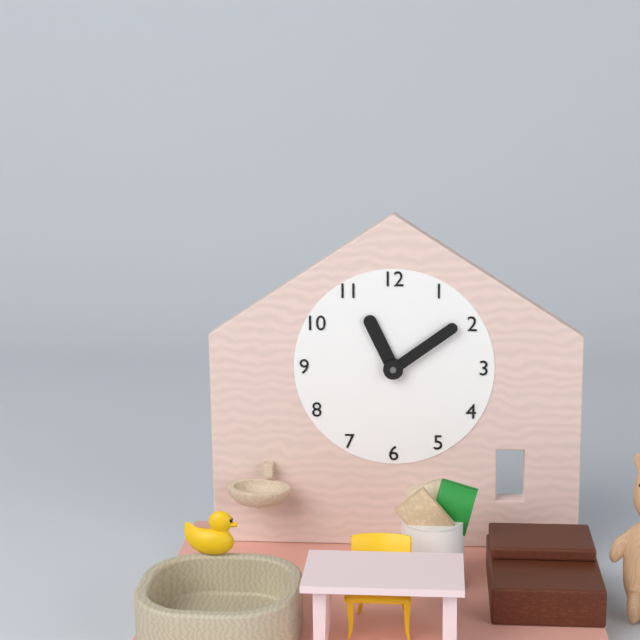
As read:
{"hour": 11, "minute": 9}
